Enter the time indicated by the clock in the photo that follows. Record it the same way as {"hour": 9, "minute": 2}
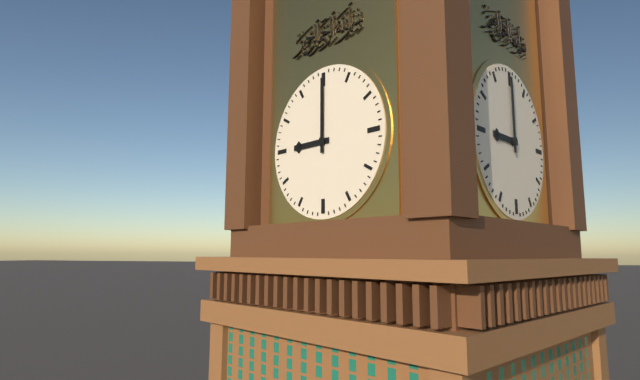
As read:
{"hour": 9, "minute": 0}
